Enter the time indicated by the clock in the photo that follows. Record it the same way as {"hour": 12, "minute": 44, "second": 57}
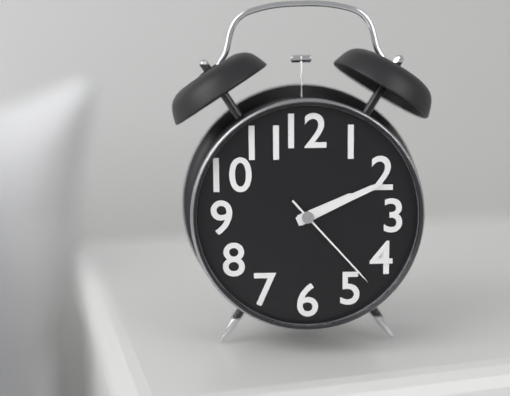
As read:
{"hour": 2, "minute": 11, "second": 23}
